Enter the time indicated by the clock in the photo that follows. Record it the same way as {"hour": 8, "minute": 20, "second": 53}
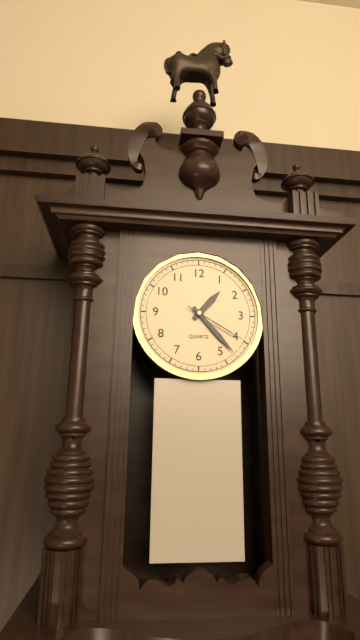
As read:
{"hour": 1, "minute": 23, "second": 20}
